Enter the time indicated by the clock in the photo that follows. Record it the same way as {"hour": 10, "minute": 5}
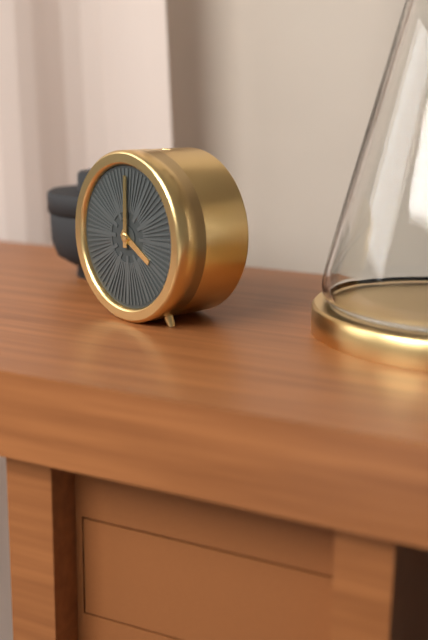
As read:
{"hour": 4, "minute": 0}
